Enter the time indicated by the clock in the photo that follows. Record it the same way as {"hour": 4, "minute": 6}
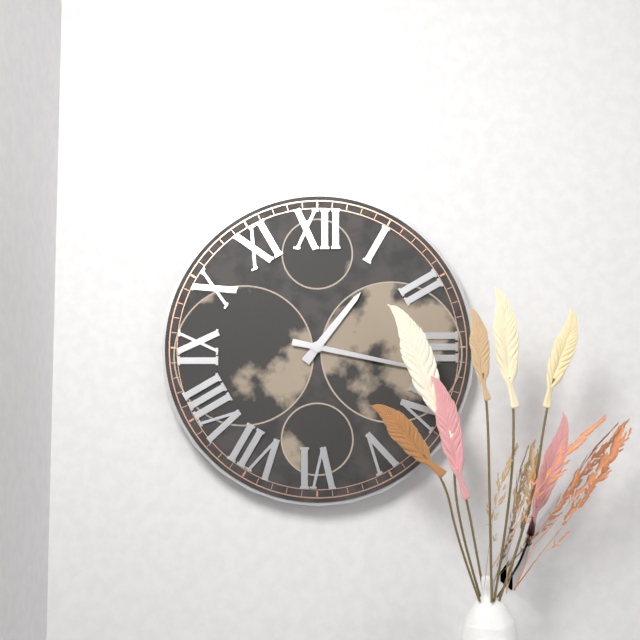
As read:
{"hour": 1, "minute": 17}
